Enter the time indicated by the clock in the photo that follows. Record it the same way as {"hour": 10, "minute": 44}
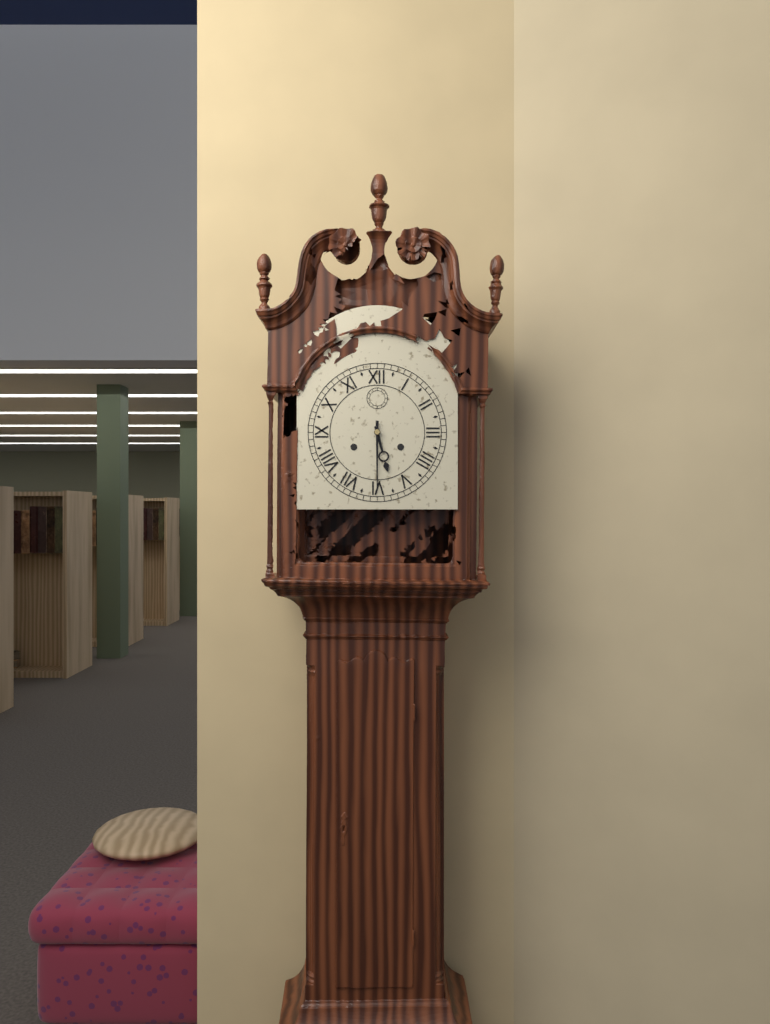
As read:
{"hour": 5, "minute": 30}
